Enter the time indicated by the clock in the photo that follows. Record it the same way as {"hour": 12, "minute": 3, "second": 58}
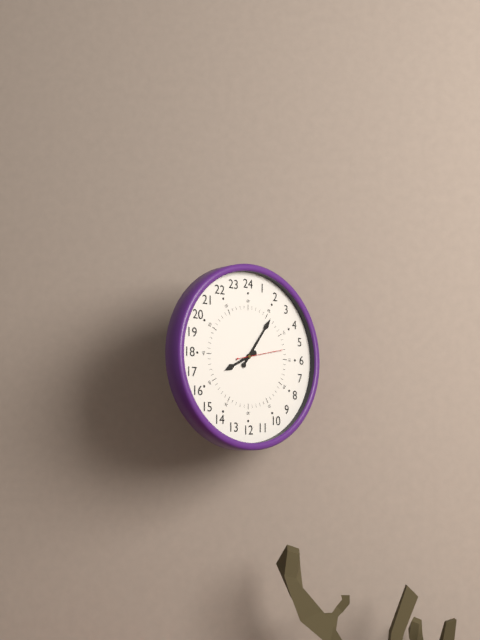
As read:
{"hour": 8, "minute": 6, "second": 13}
